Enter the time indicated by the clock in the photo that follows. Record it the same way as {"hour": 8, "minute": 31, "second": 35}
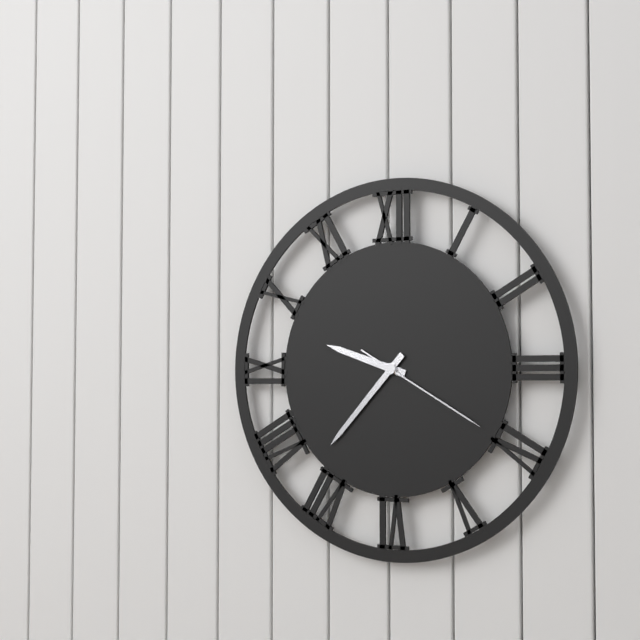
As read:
{"hour": 9, "minute": 37, "second": 20}
